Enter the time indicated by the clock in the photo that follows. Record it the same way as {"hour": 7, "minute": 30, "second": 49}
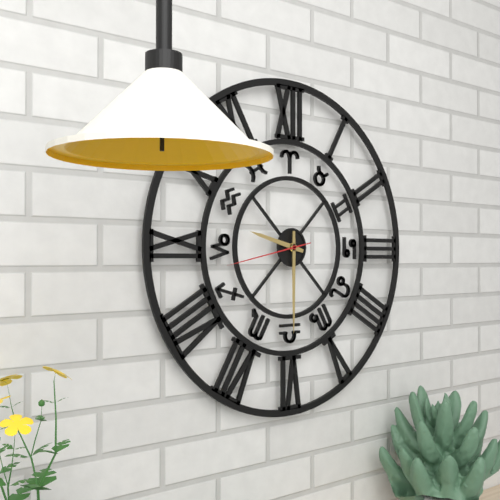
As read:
{"hour": 9, "minute": 30, "second": 43}
